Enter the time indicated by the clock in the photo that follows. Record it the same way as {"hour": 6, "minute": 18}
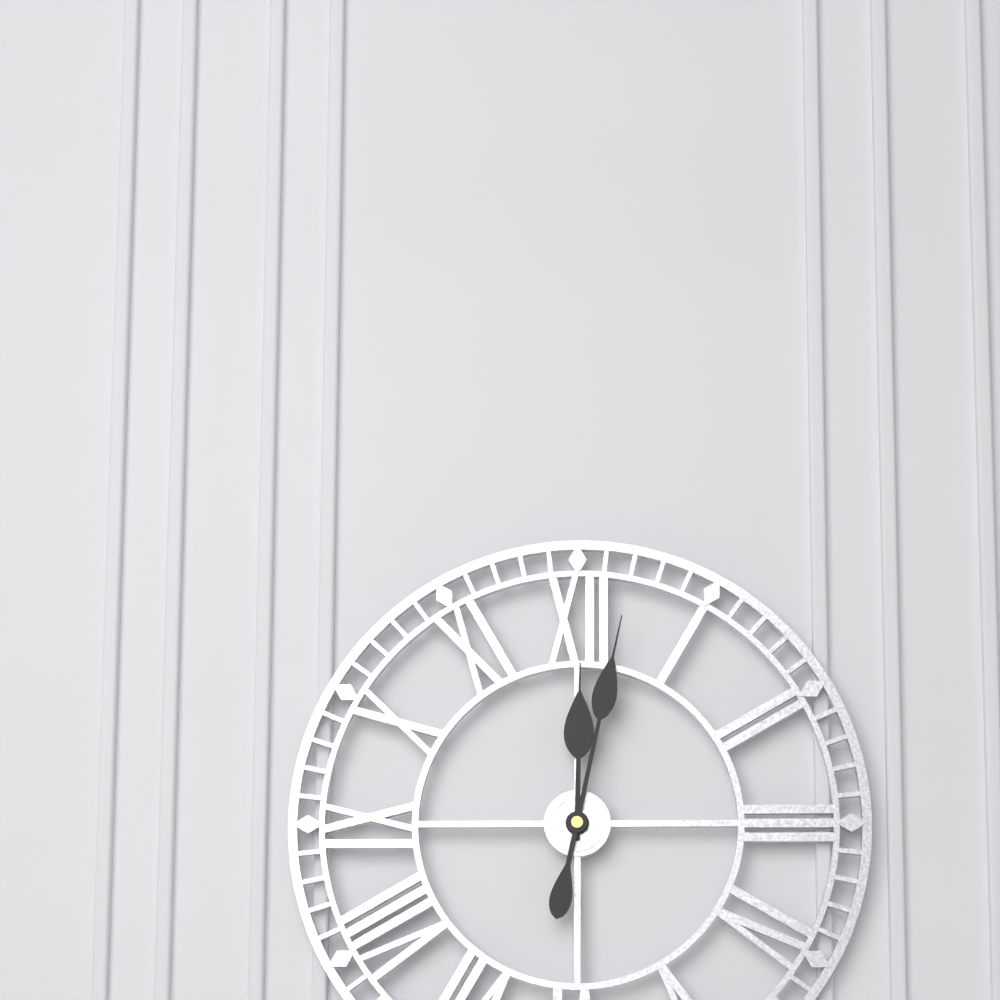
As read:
{"hour": 12, "minute": 2}
